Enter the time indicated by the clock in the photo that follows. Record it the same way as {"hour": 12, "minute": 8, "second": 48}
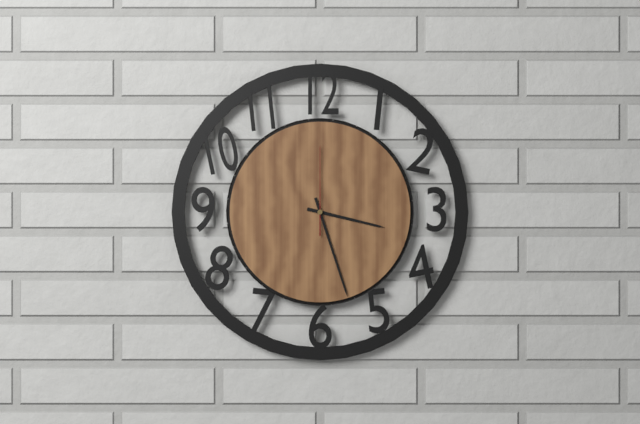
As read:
{"hour": 3, "minute": 27, "second": 0}
